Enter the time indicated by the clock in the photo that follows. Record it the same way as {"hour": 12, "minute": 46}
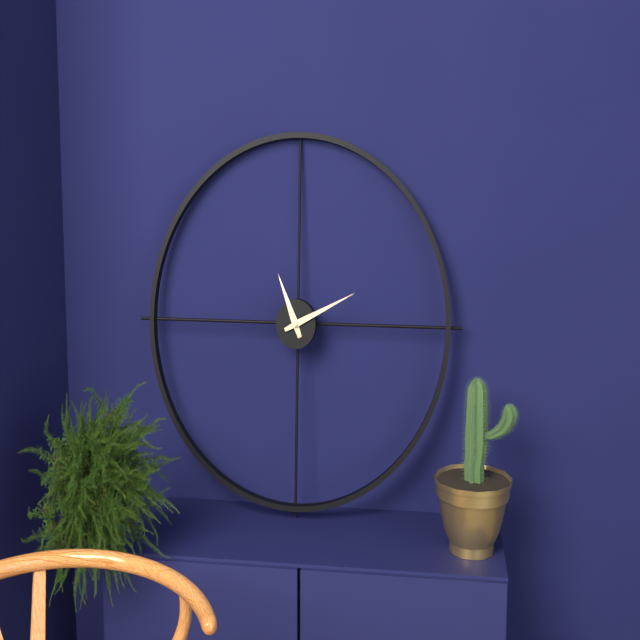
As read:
{"hour": 11, "minute": 11}
